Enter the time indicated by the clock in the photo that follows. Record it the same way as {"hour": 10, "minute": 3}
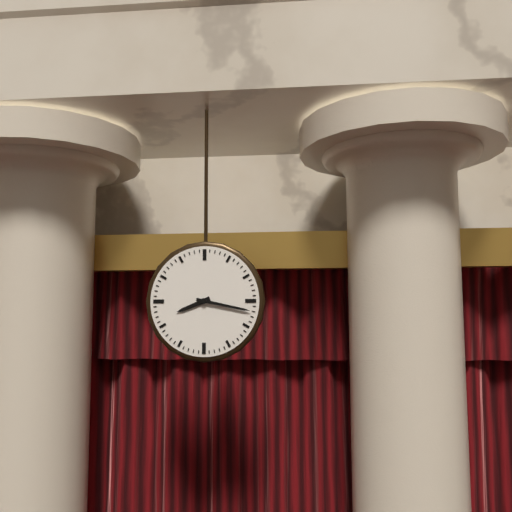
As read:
{"hour": 8, "minute": 17}
